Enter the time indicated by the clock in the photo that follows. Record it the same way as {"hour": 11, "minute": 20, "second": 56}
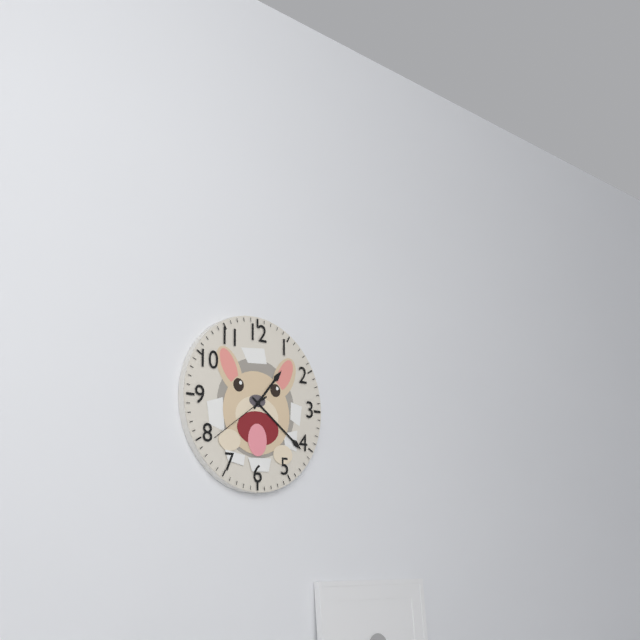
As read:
{"hour": 1, "minute": 21, "second": 39}
